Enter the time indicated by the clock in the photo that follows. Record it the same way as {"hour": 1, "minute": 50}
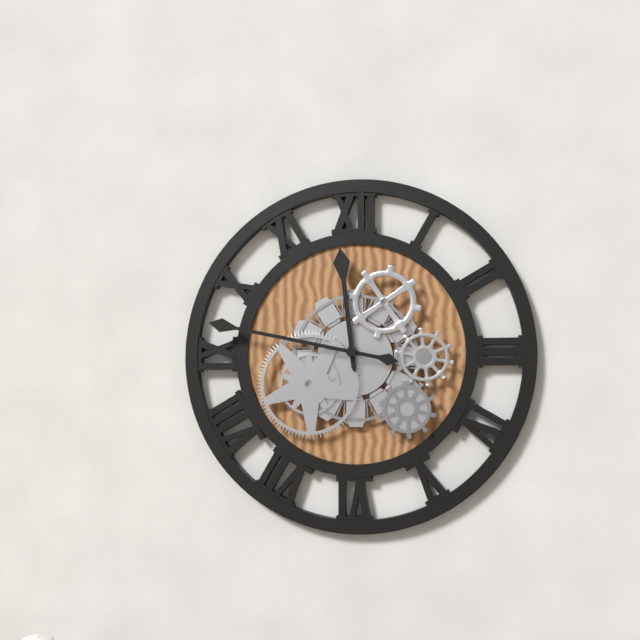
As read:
{"hour": 11, "minute": 47}
